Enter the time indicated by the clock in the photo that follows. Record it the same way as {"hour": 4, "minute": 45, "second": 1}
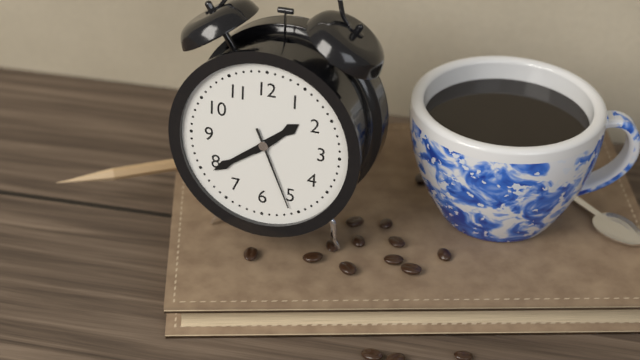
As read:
{"hour": 1, "minute": 39, "second": 26}
